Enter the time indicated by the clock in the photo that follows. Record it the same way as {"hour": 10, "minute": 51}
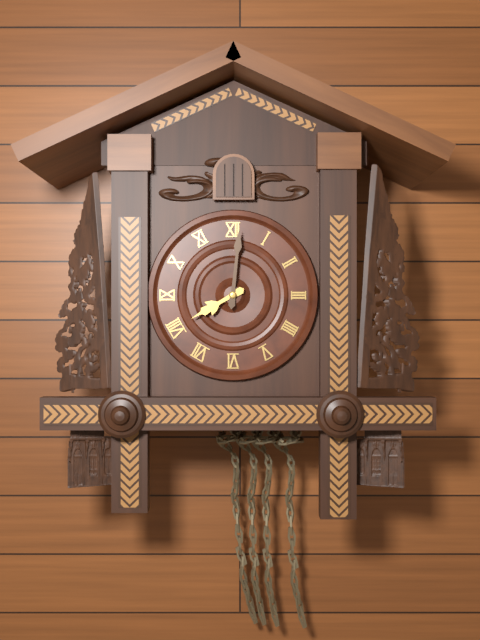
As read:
{"hour": 8, "minute": 1}
